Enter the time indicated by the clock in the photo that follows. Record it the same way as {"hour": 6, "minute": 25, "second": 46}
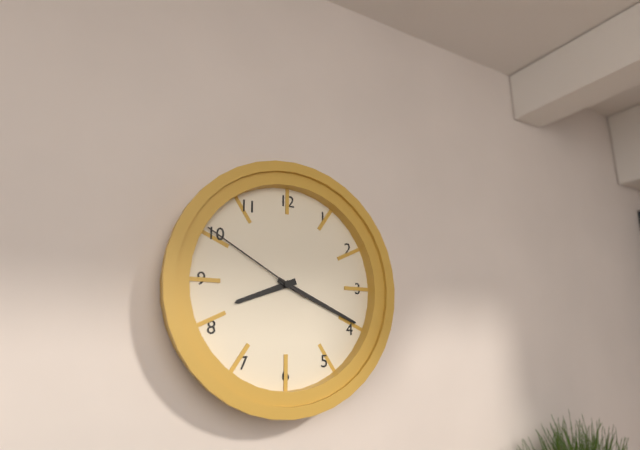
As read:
{"hour": 8, "minute": 19, "second": 50}
